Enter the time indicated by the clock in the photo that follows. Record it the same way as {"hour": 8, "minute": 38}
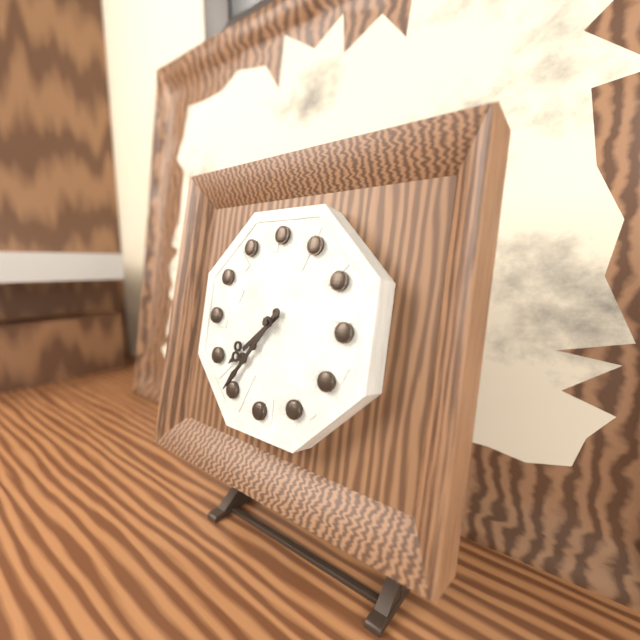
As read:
{"hour": 7, "minute": 36}
